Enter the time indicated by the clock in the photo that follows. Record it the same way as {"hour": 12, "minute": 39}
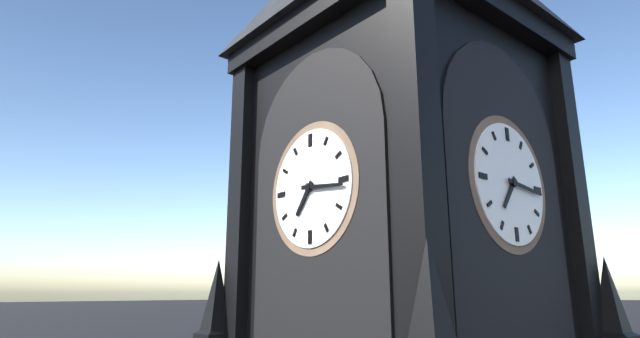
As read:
{"hour": 7, "minute": 16}
